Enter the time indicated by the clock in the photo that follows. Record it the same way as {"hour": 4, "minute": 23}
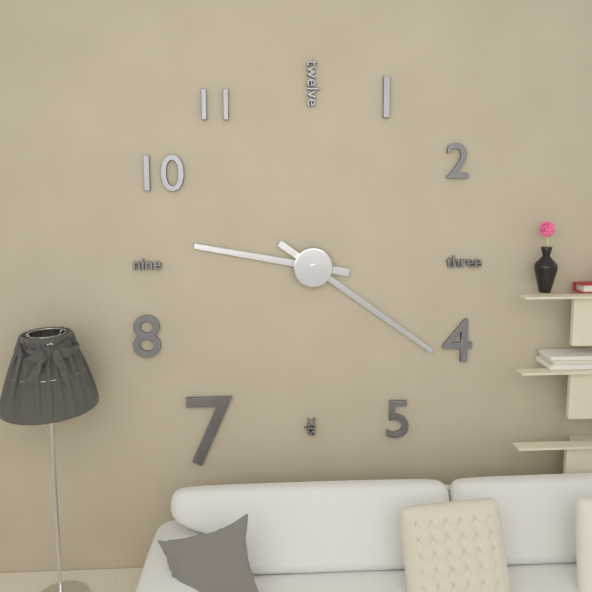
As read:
{"hour": 9, "minute": 21}
